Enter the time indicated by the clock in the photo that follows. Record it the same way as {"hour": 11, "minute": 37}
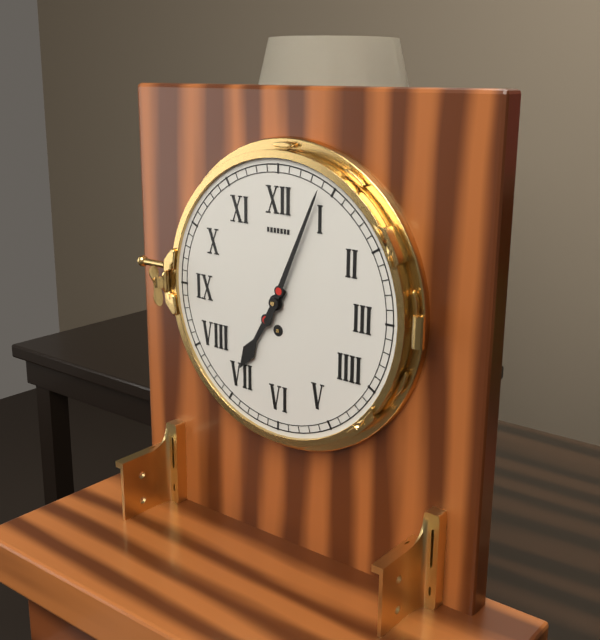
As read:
{"hour": 7, "minute": 4}
